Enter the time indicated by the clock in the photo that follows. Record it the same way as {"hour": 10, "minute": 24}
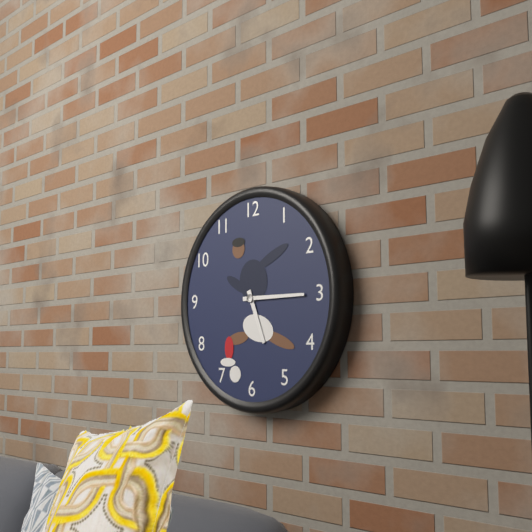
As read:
{"hour": 5, "minute": 15}
